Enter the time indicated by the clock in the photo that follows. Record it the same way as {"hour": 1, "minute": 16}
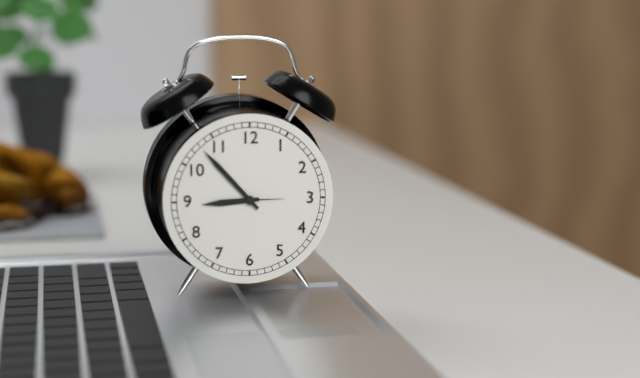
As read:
{"hour": 8, "minute": 53}
